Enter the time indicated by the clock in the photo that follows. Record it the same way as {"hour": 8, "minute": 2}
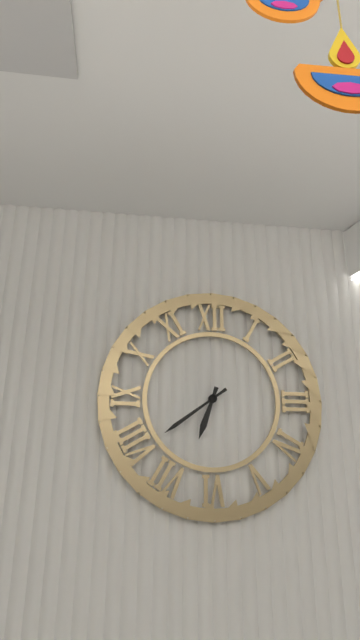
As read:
{"hour": 6, "minute": 39}
